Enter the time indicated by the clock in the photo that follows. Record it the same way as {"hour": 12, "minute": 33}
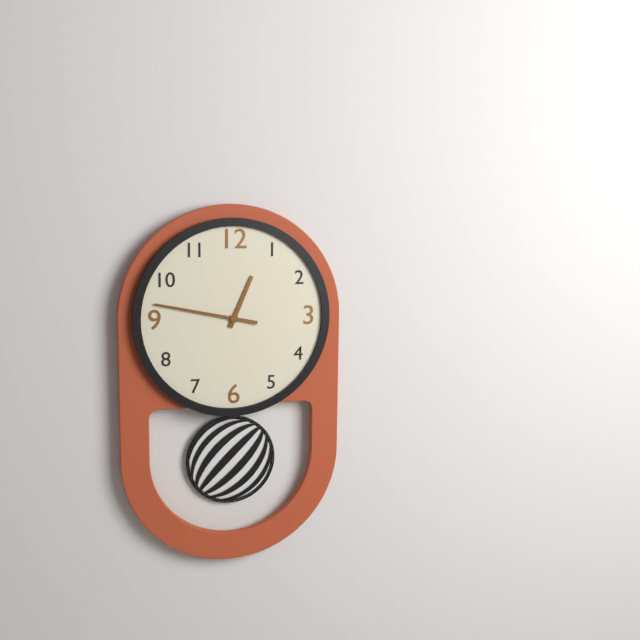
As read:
{"hour": 12, "minute": 47}
